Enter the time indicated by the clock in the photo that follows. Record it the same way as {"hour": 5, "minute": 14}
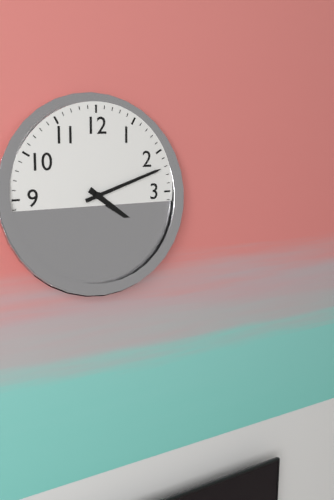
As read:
{"hour": 4, "minute": 12}
